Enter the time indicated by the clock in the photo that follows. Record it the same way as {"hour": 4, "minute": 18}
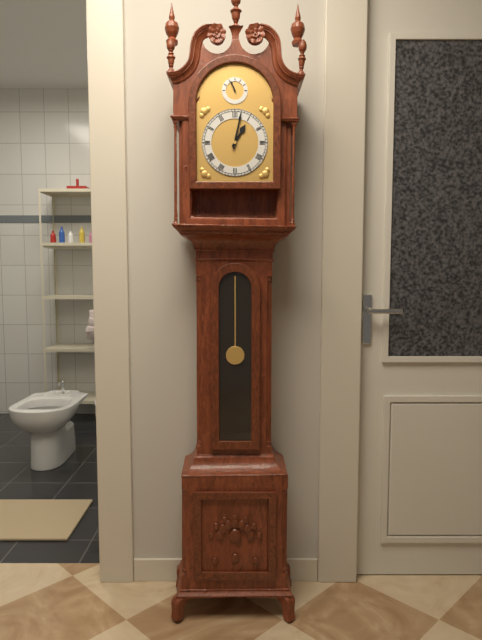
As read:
{"hour": 1, "minute": 2}
